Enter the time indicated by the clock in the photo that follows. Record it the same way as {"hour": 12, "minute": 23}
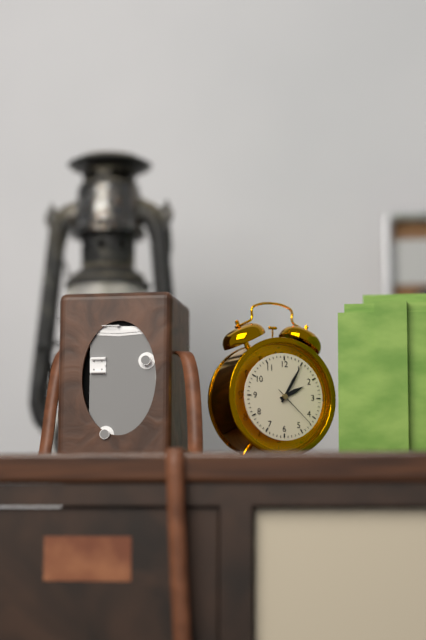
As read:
{"hour": 2, "minute": 5}
